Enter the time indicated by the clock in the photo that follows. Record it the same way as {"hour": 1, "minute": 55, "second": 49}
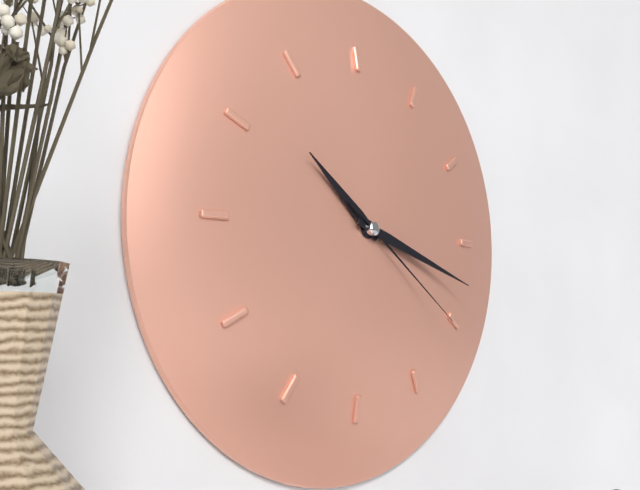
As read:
{"hour": 10, "minute": 18, "second": 21}
